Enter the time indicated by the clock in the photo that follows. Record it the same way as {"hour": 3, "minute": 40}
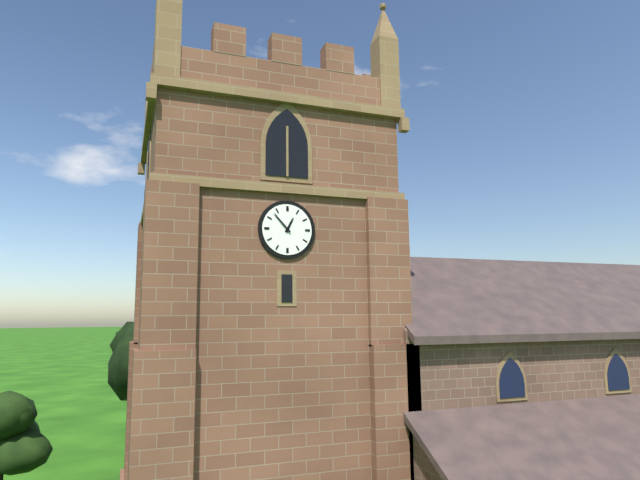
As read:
{"hour": 12, "minute": 53}
